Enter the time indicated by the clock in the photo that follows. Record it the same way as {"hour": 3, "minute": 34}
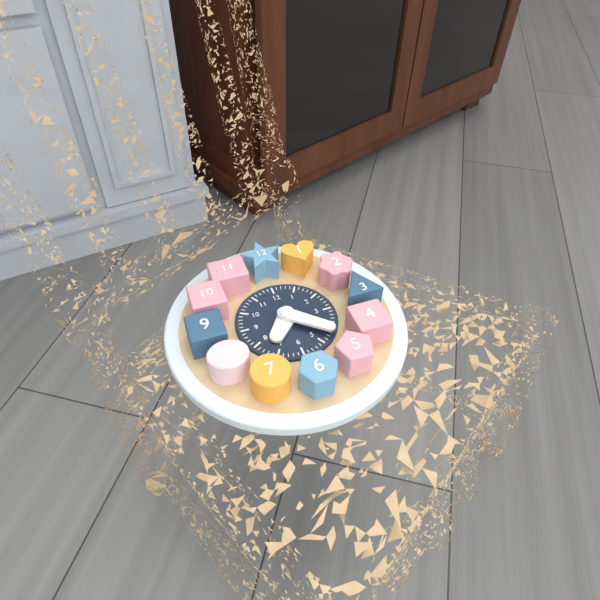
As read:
{"hour": 7, "minute": 22}
